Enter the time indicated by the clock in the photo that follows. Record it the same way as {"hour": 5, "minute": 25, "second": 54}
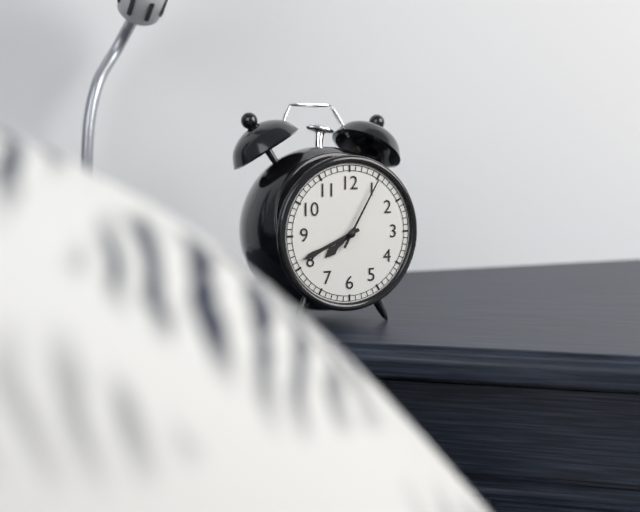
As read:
{"hour": 7, "minute": 41, "second": 5}
